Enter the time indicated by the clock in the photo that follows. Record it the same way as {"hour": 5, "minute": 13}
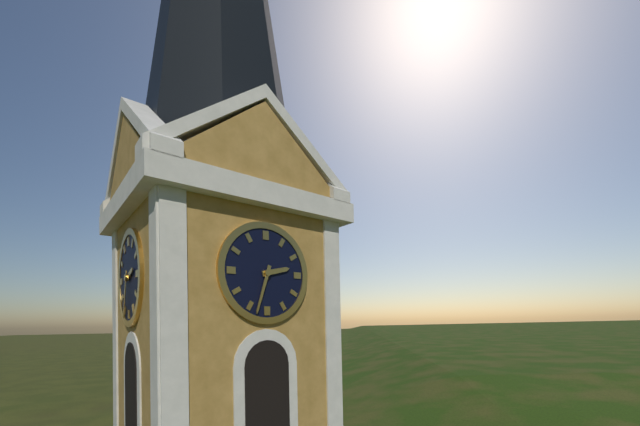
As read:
{"hour": 2, "minute": 33}
